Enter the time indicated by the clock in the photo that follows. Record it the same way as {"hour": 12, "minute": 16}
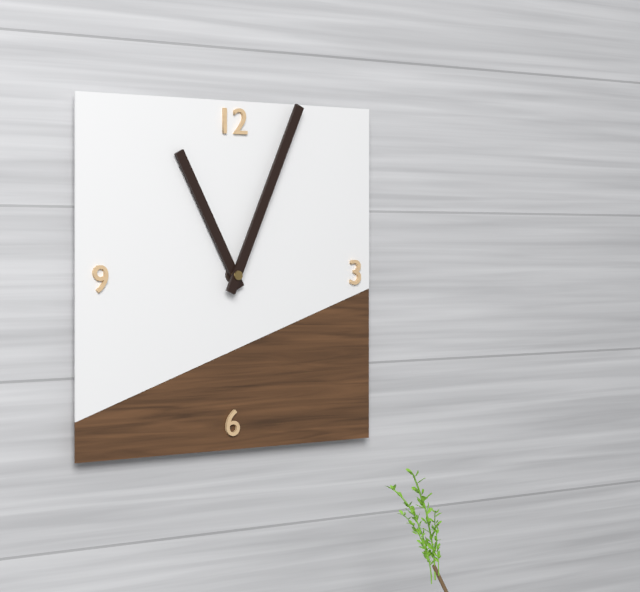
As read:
{"hour": 11, "minute": 4}
